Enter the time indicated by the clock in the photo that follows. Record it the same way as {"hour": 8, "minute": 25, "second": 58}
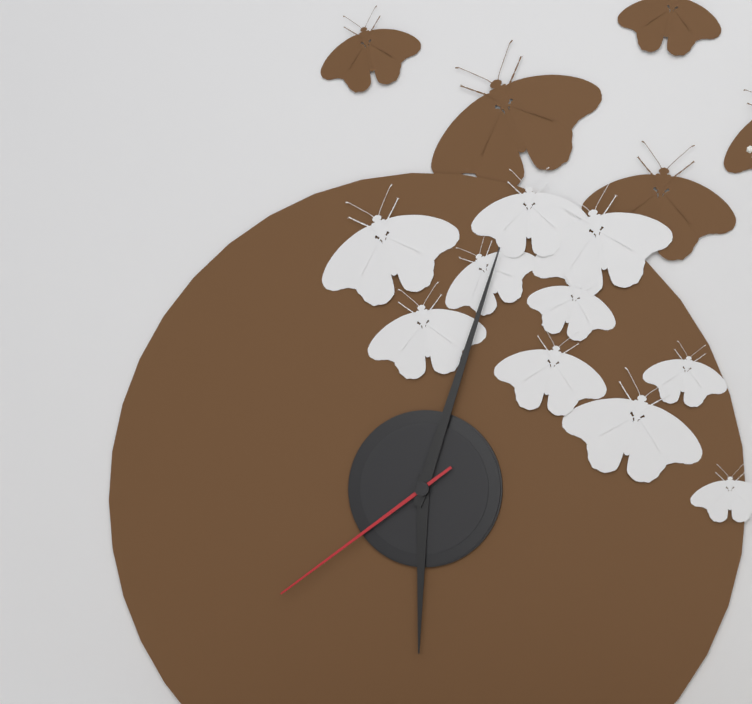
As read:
{"hour": 6, "minute": 3, "second": 39}
